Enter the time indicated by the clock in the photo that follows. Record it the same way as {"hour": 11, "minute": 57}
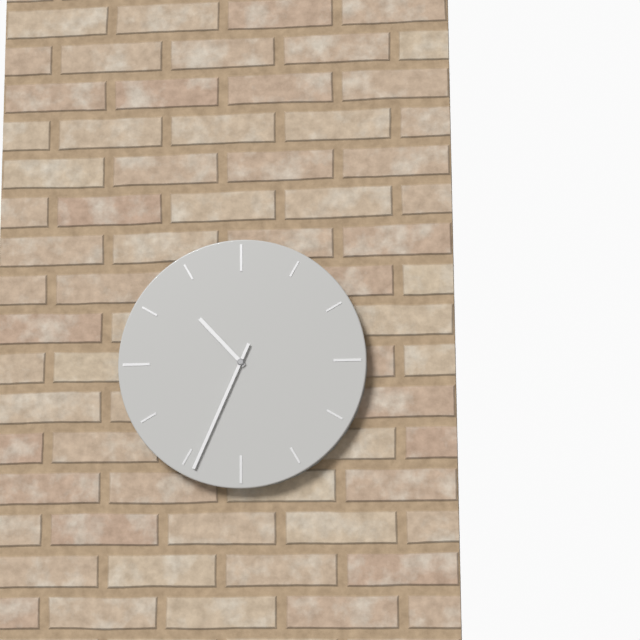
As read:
{"hour": 10, "minute": 34}
